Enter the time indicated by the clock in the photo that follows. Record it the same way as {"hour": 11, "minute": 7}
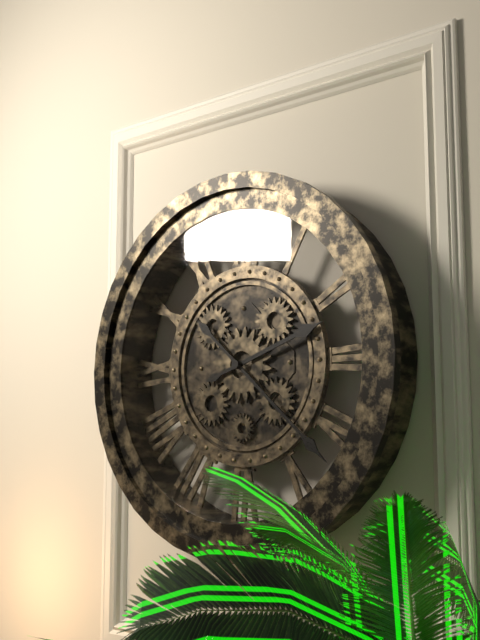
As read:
{"hour": 2, "minute": 22}
